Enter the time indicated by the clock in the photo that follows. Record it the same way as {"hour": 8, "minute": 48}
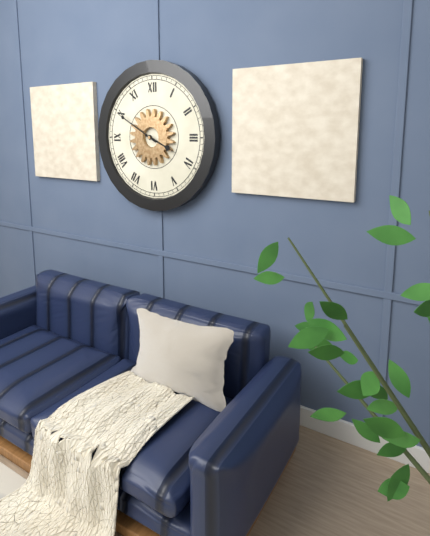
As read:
{"hour": 3, "minute": 50}
